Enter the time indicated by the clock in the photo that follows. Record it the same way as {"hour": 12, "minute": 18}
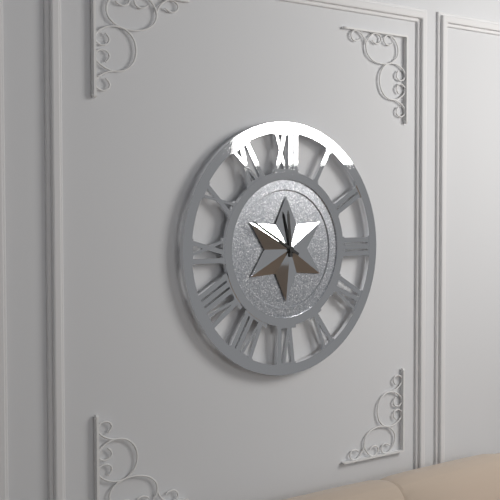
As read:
{"hour": 11, "minute": 50}
